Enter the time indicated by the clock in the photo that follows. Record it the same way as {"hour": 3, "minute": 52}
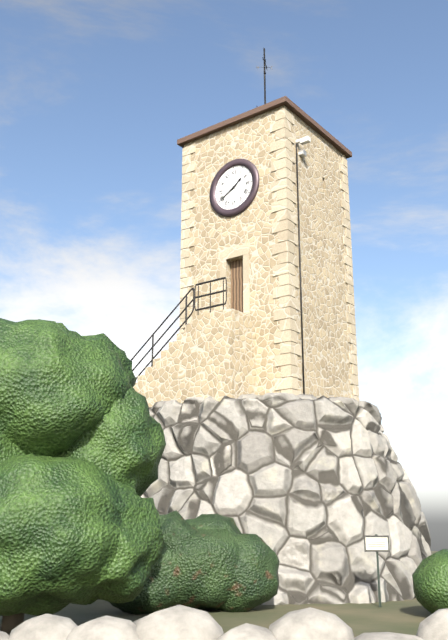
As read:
{"hour": 1, "minute": 40}
